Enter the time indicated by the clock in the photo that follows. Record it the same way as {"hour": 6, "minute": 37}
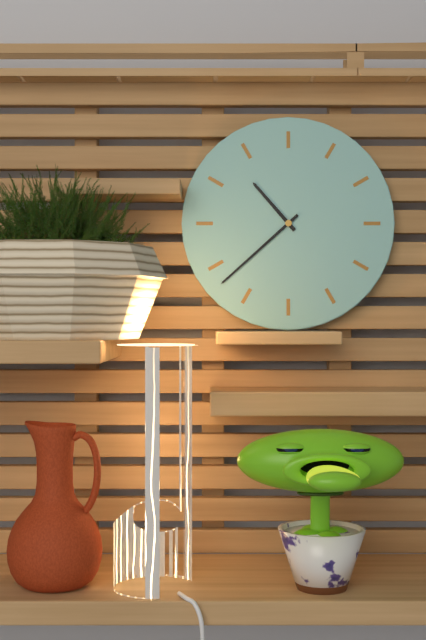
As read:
{"hour": 10, "minute": 38}
